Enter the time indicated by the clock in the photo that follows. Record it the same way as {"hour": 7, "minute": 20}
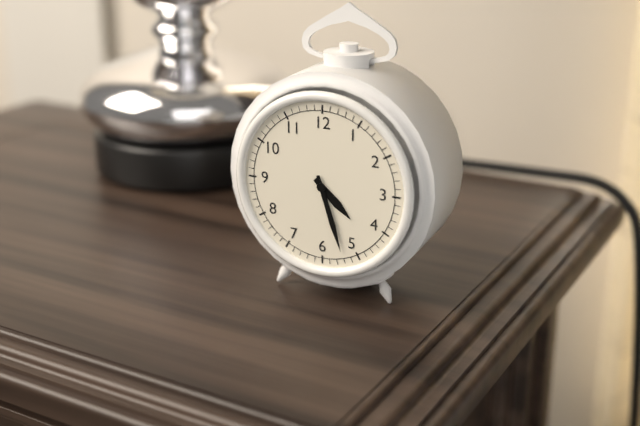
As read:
{"hour": 4, "minute": 27}
